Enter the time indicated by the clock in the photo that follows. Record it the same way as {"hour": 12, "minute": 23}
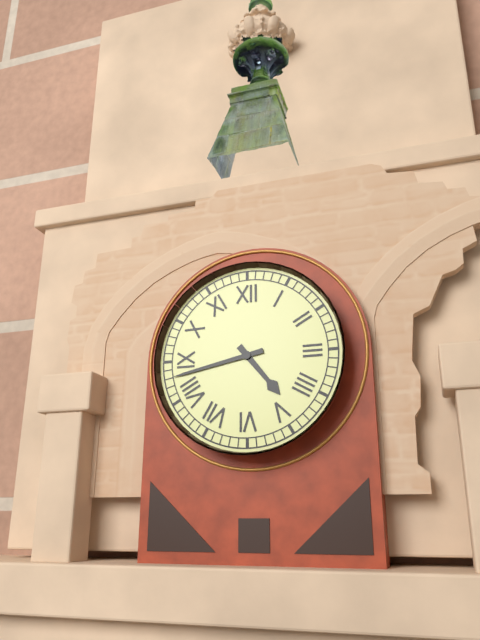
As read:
{"hour": 4, "minute": 43}
